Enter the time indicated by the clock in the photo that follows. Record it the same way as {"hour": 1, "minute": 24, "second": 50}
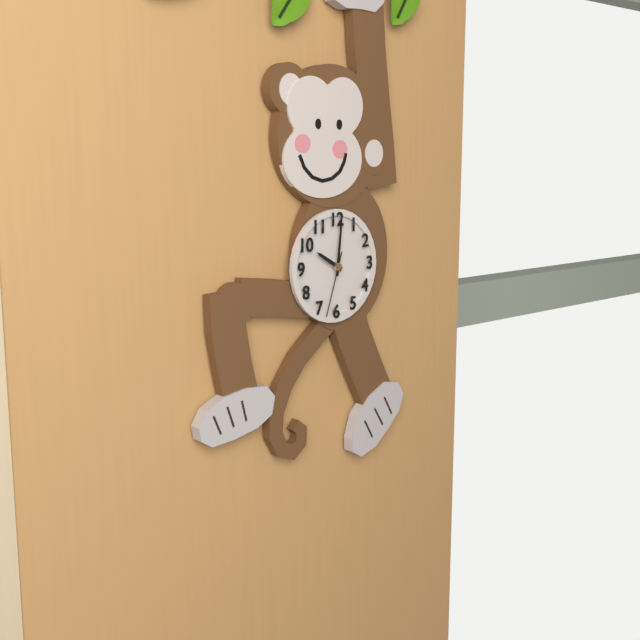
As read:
{"hour": 10, "minute": 1, "second": 33}
